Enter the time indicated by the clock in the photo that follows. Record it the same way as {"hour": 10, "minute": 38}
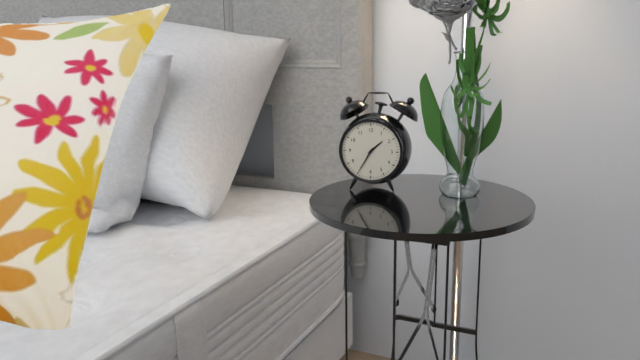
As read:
{"hour": 1, "minute": 35}
